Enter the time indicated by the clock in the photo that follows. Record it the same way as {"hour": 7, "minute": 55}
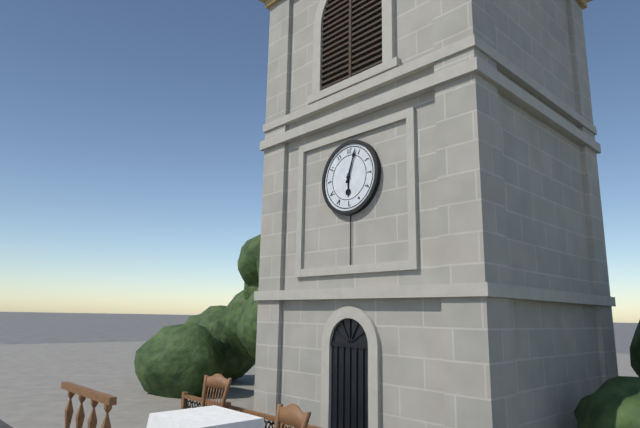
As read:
{"hour": 6, "minute": 3}
